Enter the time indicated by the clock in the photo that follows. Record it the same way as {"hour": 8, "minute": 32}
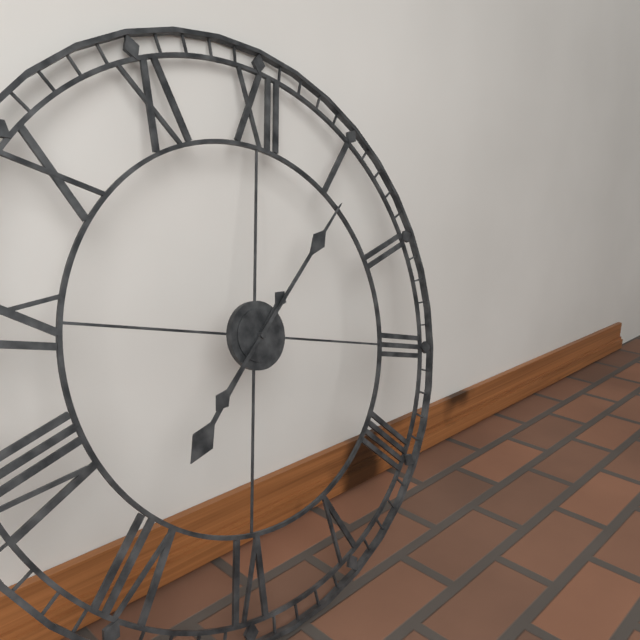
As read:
{"hour": 7, "minute": 6}
